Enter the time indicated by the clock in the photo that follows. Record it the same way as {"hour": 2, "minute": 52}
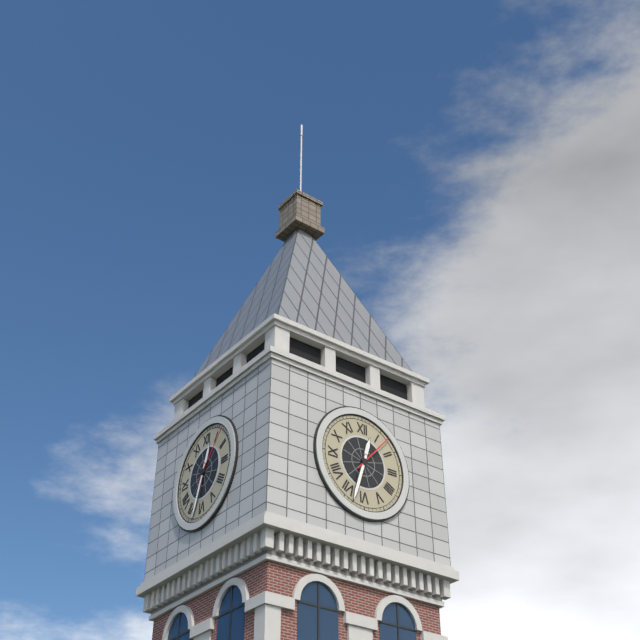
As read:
{"hour": 12, "minute": 33}
